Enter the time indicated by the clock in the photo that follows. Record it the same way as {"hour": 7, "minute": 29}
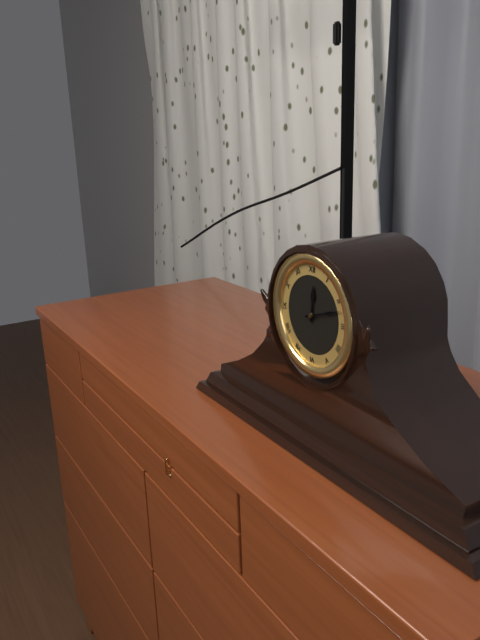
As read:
{"hour": 12, "minute": 12}
